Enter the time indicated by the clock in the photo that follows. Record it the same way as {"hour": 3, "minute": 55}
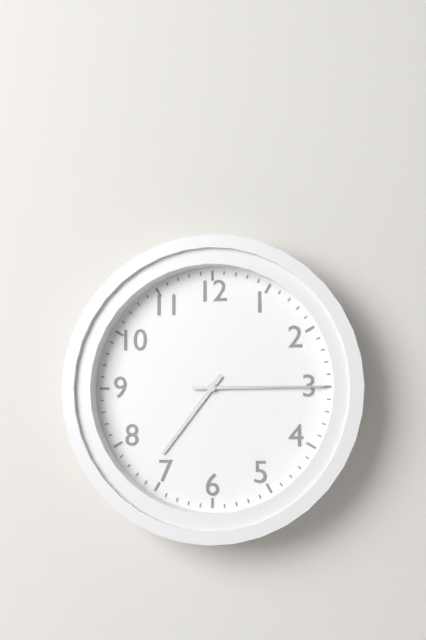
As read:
{"hour": 7, "minute": 15}
